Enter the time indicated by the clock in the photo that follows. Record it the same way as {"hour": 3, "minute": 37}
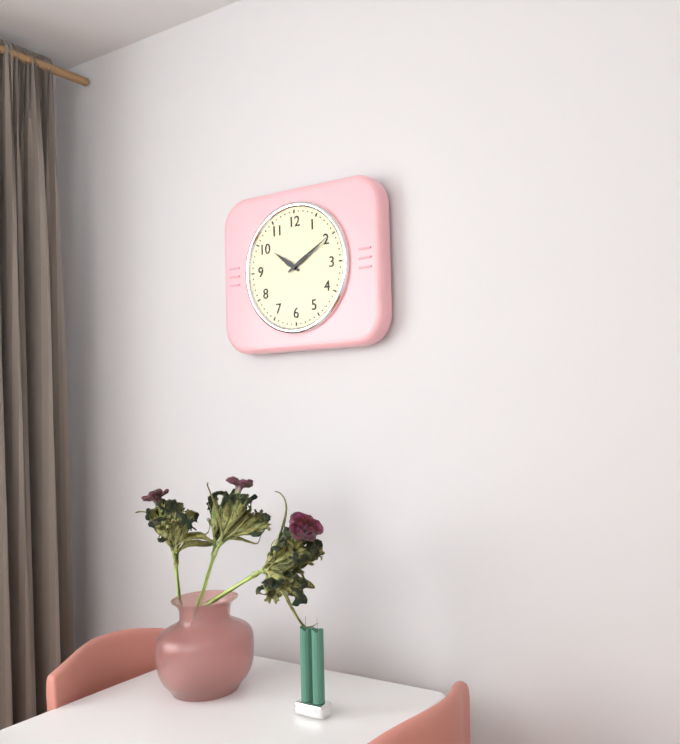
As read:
{"hour": 10, "minute": 10}
